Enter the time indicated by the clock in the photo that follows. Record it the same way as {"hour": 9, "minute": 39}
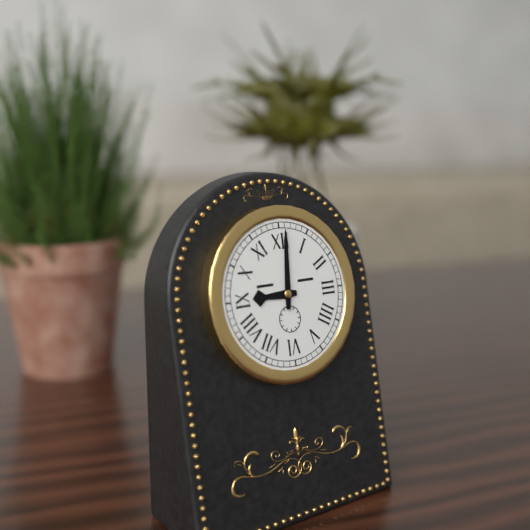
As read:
{"hour": 9, "minute": 1}
